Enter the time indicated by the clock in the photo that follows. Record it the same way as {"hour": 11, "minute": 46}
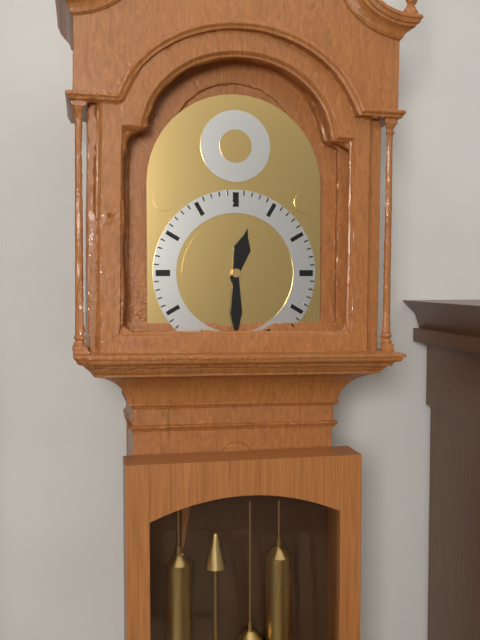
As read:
{"hour": 12, "minute": 30}
